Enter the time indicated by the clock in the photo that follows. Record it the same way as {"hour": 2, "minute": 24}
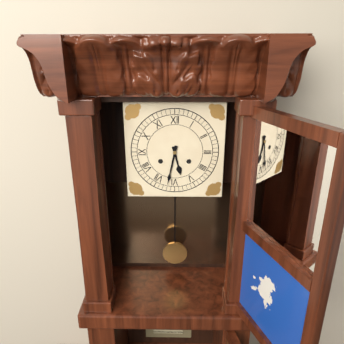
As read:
{"hour": 5, "minute": 32}
